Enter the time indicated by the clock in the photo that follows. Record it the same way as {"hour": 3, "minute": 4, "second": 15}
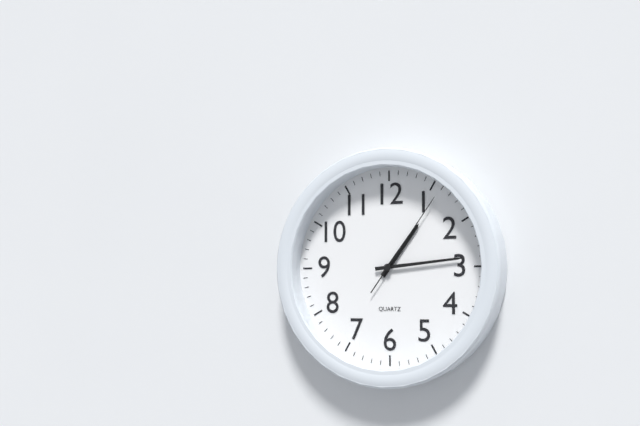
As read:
{"hour": 1, "minute": 14, "second": 6}
